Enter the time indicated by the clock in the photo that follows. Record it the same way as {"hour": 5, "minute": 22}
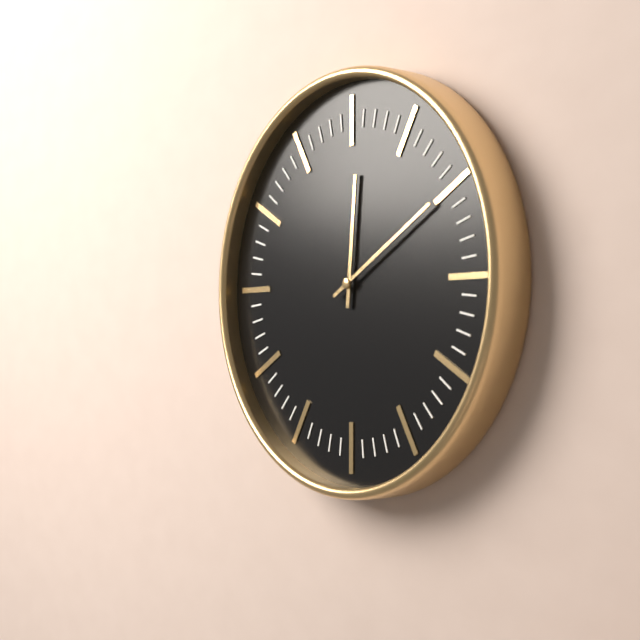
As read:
{"hour": 12, "minute": 10}
